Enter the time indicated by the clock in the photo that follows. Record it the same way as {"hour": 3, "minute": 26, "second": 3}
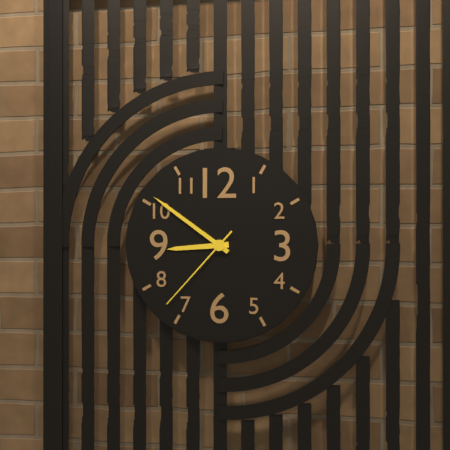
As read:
{"hour": 8, "minute": 51, "second": 37}
